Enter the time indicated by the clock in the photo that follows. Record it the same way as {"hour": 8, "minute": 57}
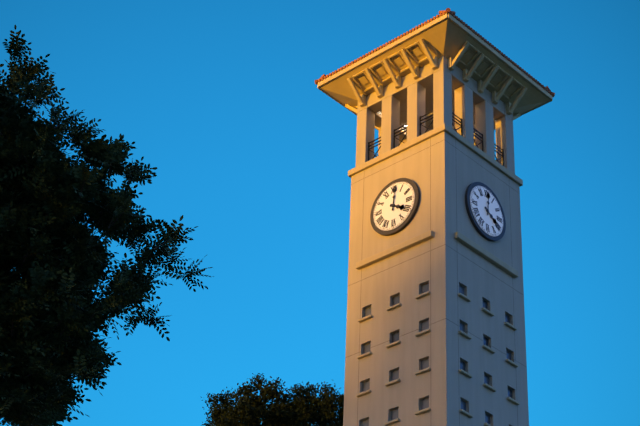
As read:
{"hour": 4, "minute": 1}
